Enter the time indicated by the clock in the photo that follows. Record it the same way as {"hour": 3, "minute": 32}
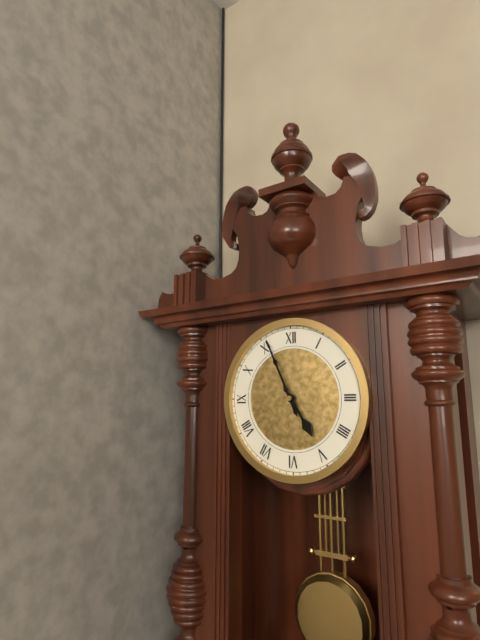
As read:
{"hour": 4, "minute": 56}
